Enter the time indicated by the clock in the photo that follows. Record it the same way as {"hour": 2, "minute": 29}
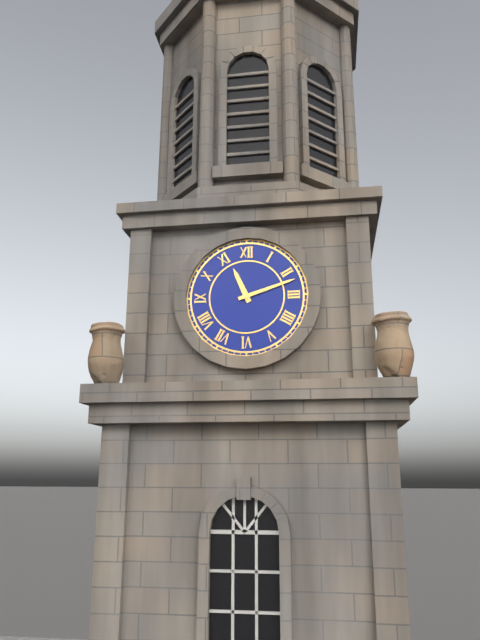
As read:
{"hour": 11, "minute": 12}
